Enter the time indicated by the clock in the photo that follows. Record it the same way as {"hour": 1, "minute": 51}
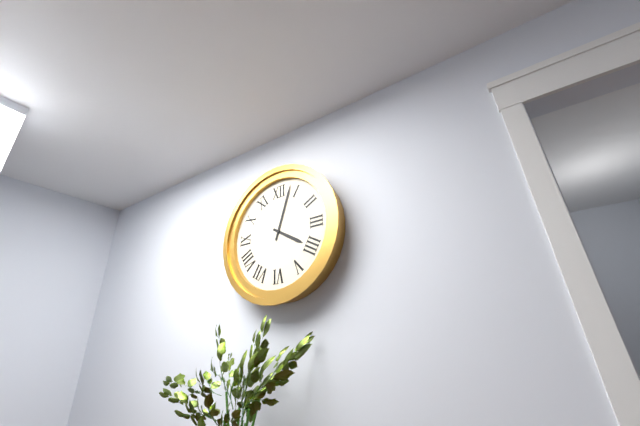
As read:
{"hour": 4, "minute": 3}
